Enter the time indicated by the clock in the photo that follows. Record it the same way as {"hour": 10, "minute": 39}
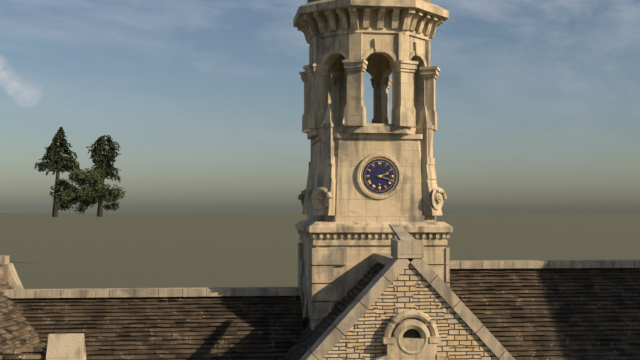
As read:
{"hour": 2, "minute": 18}
